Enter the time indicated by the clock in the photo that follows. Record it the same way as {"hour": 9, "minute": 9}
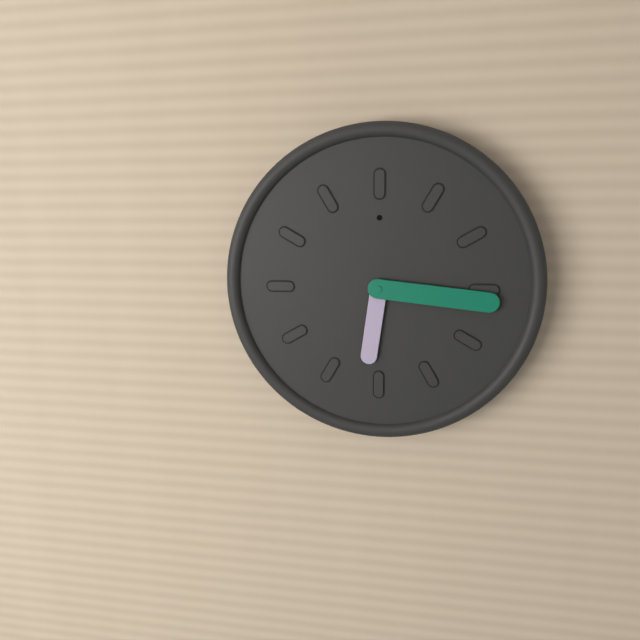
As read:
{"hour": 6, "minute": 16}
